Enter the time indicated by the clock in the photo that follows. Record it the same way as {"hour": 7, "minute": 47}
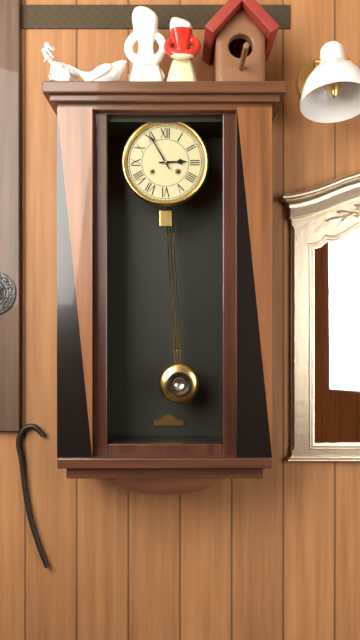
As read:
{"hour": 2, "minute": 55}
